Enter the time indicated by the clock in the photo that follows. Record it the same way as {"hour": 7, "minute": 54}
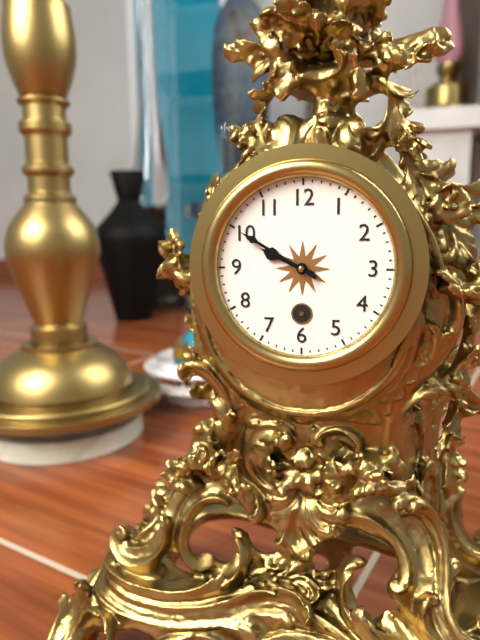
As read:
{"hour": 9, "minute": 50}
